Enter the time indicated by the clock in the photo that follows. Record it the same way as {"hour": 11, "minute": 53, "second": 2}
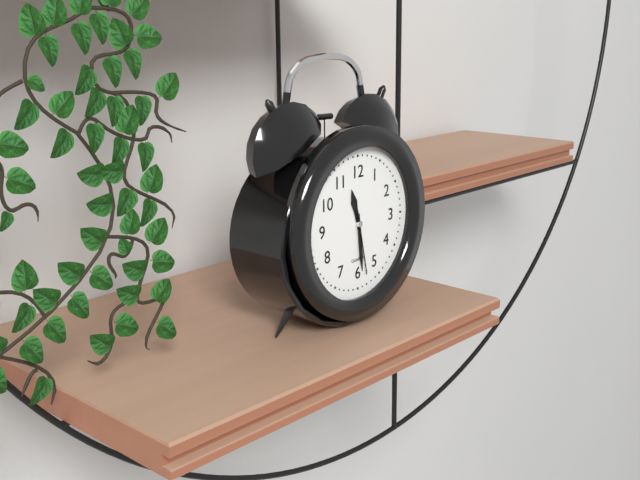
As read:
{"hour": 11, "minute": 29, "second": 28}
